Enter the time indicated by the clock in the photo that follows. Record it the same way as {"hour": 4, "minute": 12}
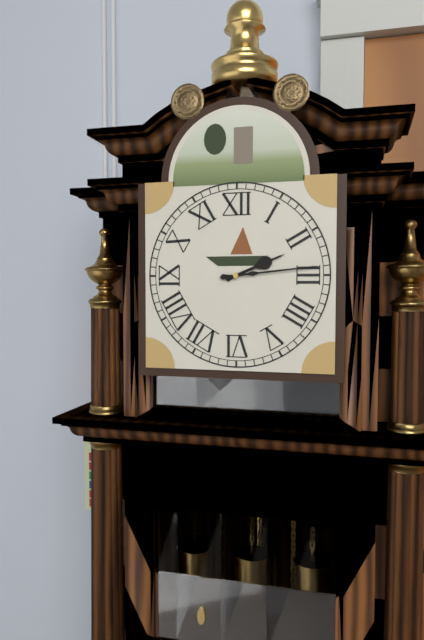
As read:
{"hour": 2, "minute": 14}
